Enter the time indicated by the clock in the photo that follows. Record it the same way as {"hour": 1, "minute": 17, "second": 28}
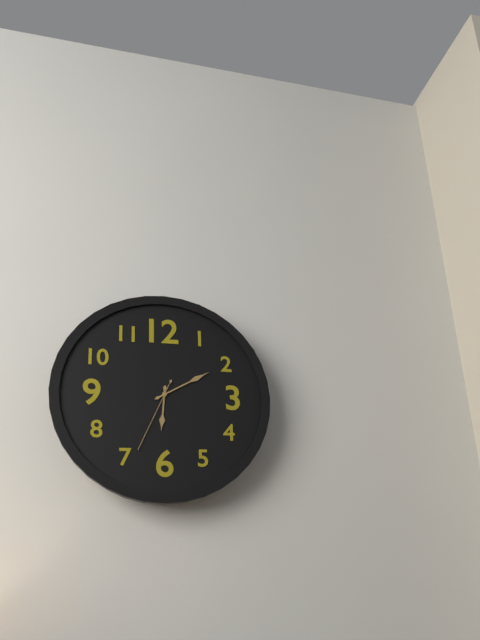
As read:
{"hour": 6, "minute": 10, "second": 34}
